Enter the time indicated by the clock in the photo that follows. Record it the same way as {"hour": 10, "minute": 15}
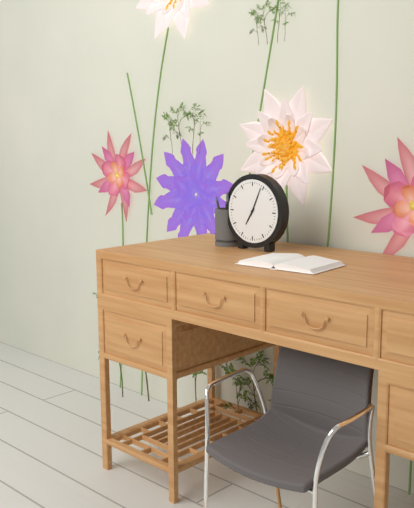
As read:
{"hour": 7, "minute": 4}
